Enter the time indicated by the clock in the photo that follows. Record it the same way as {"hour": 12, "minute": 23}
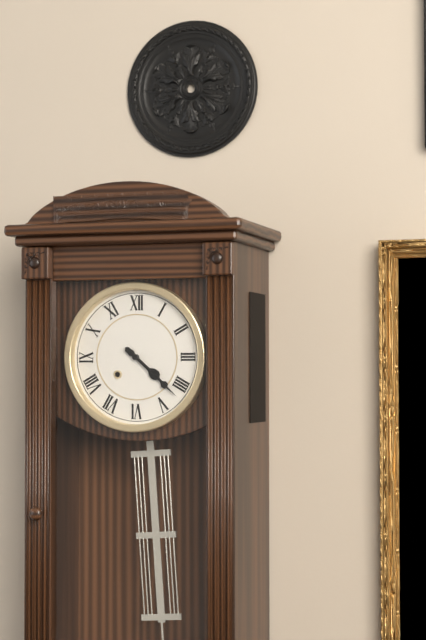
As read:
{"hour": 4, "minute": 22}
